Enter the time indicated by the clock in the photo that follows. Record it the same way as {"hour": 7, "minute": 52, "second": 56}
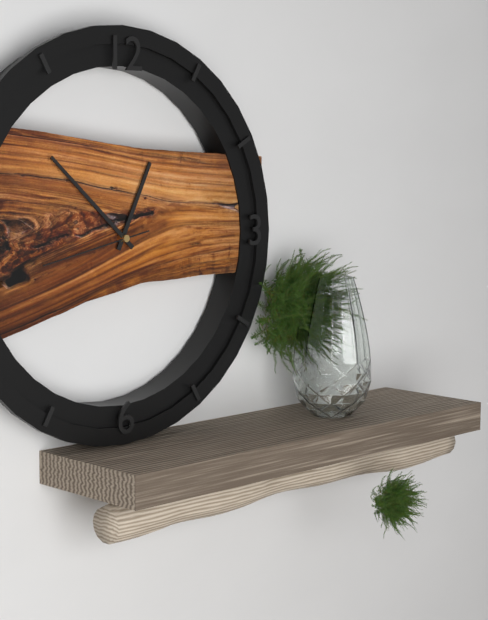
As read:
{"hour": 12, "minute": 52, "second": 43}
